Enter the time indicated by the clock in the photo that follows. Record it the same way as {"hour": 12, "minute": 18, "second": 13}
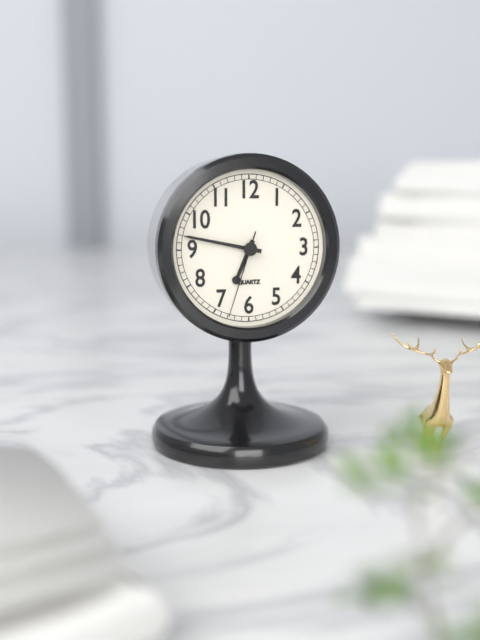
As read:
{"hour": 6, "minute": 47, "second": 33}
